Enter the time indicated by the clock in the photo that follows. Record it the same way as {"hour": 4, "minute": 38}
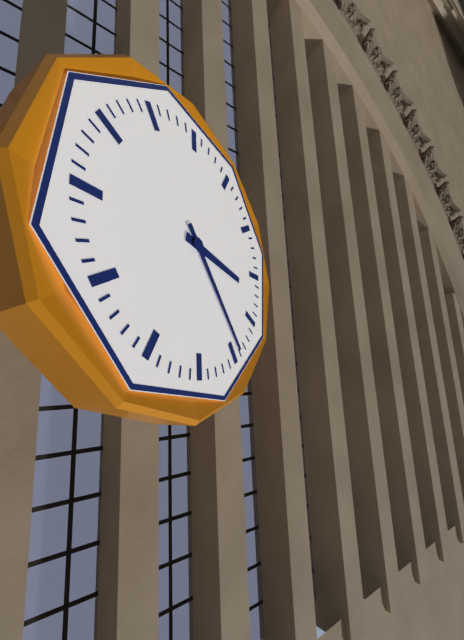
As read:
{"hour": 3, "minute": 24}
